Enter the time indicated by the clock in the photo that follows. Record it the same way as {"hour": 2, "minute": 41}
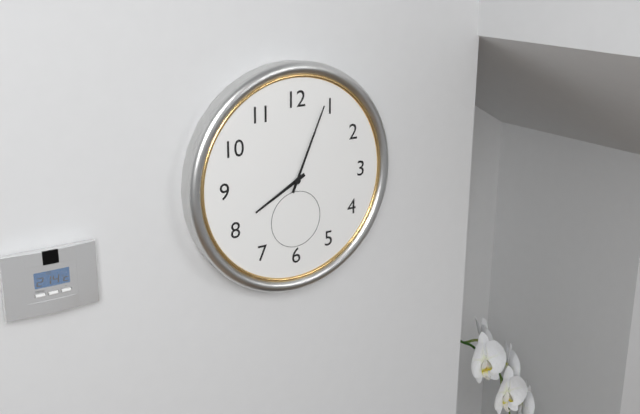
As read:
{"hour": 8, "minute": 4}
